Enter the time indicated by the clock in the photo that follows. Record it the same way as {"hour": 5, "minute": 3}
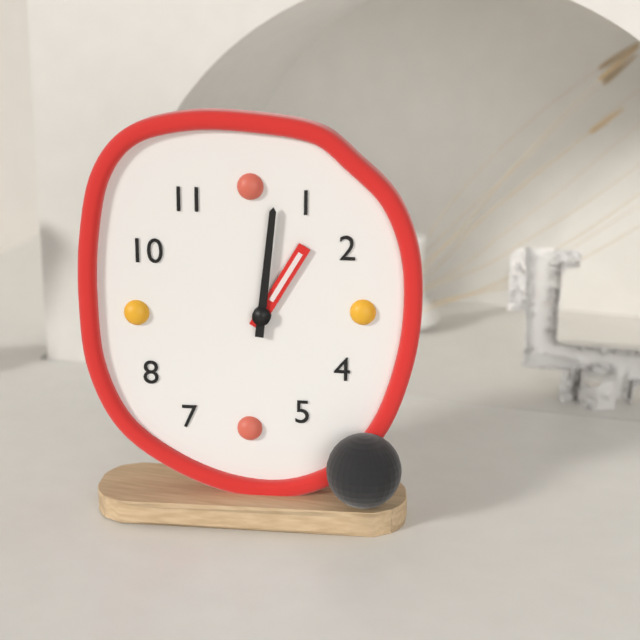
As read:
{"hour": 1, "minute": 1}
